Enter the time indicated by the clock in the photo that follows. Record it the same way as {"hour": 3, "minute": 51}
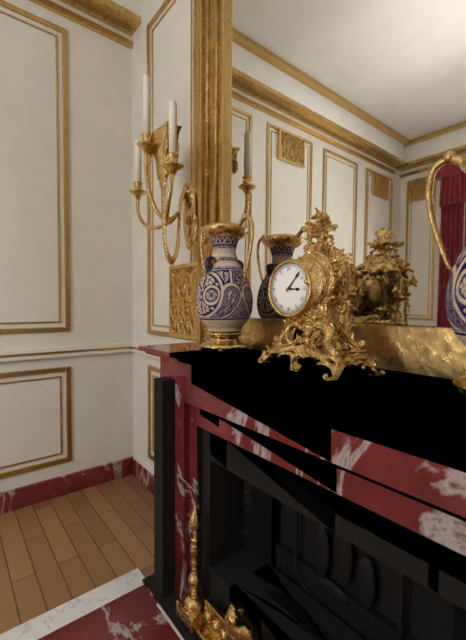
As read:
{"hour": 3, "minute": 7}
